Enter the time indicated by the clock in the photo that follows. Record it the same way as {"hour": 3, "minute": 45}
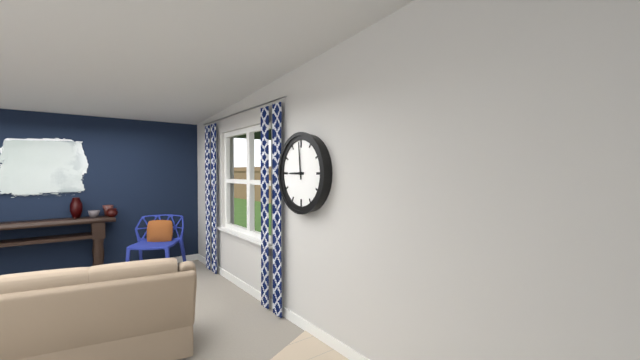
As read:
{"hour": 8, "minute": 59}
